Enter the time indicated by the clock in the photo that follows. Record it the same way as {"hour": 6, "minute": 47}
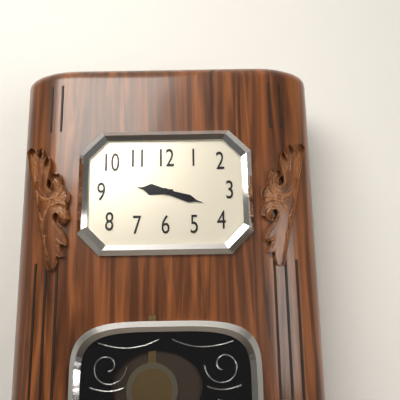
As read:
{"hour": 9, "minute": 18}
